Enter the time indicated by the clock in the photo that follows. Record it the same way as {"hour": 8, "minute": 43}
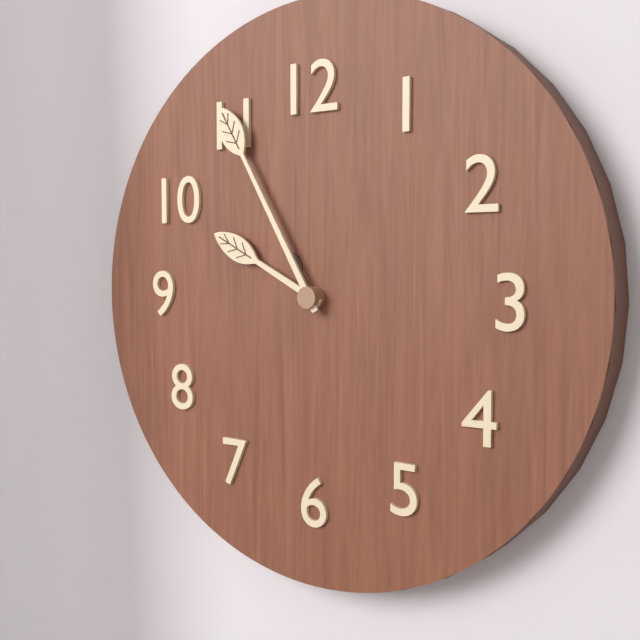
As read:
{"hour": 9, "minute": 55}
